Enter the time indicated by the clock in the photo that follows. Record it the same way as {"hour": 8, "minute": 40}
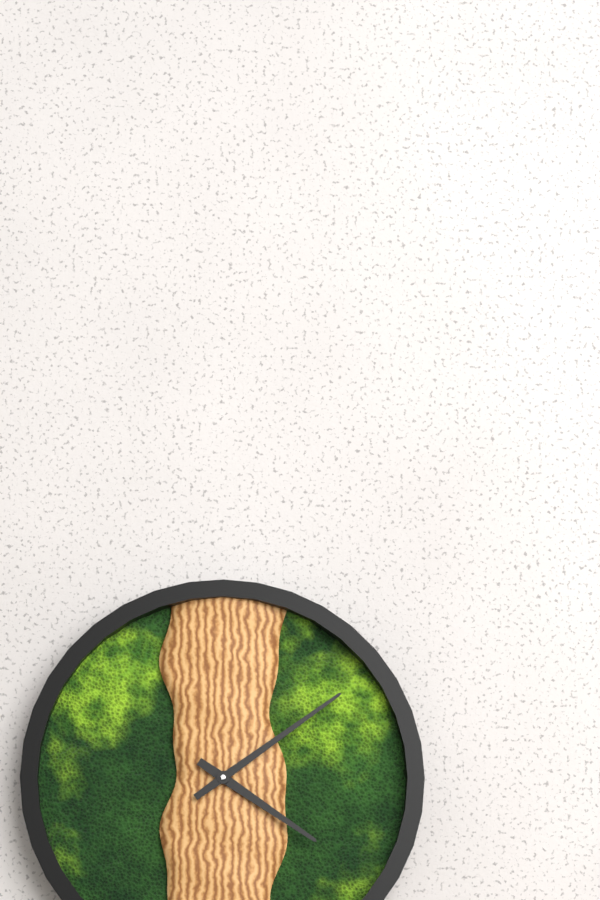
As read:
{"hour": 4, "minute": 9}
